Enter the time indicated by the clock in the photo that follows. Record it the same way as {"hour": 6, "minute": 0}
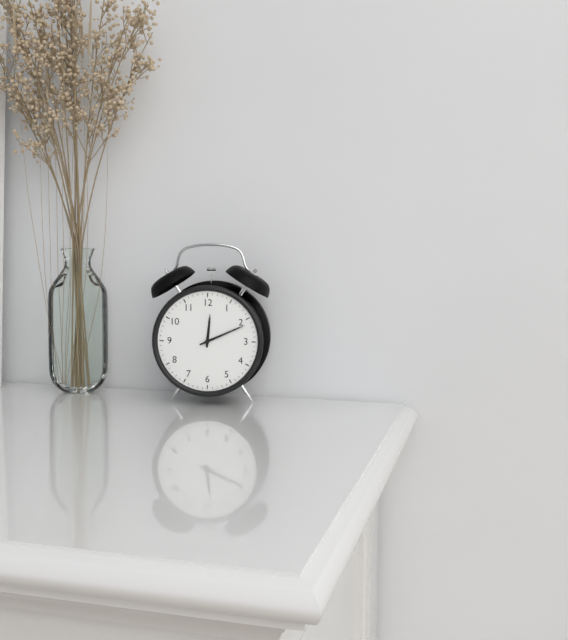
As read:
{"hour": 12, "minute": 11}
